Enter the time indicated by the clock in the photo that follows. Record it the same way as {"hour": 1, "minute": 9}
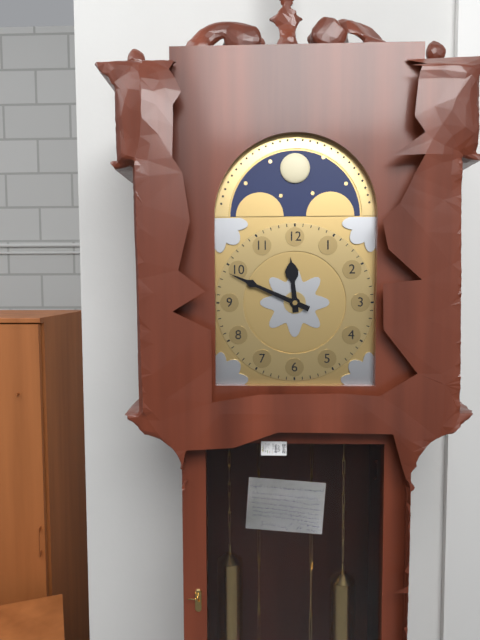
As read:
{"hour": 11, "minute": 49}
